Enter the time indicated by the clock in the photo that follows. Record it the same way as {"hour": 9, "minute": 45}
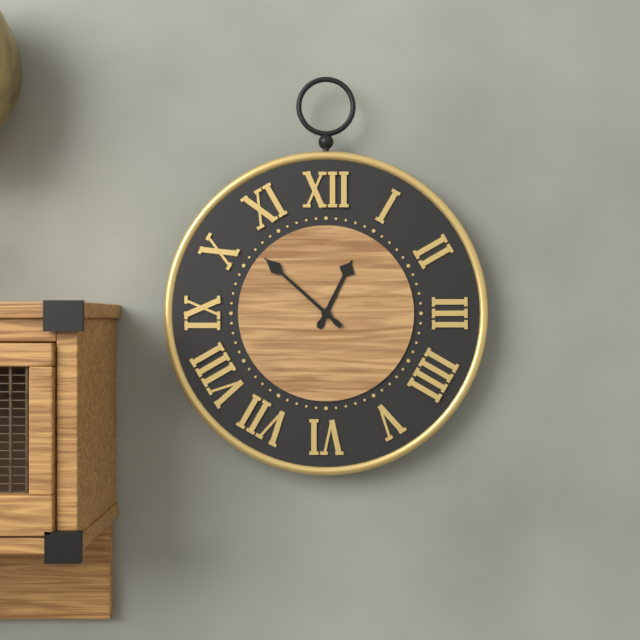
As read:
{"hour": 12, "minute": 52}
